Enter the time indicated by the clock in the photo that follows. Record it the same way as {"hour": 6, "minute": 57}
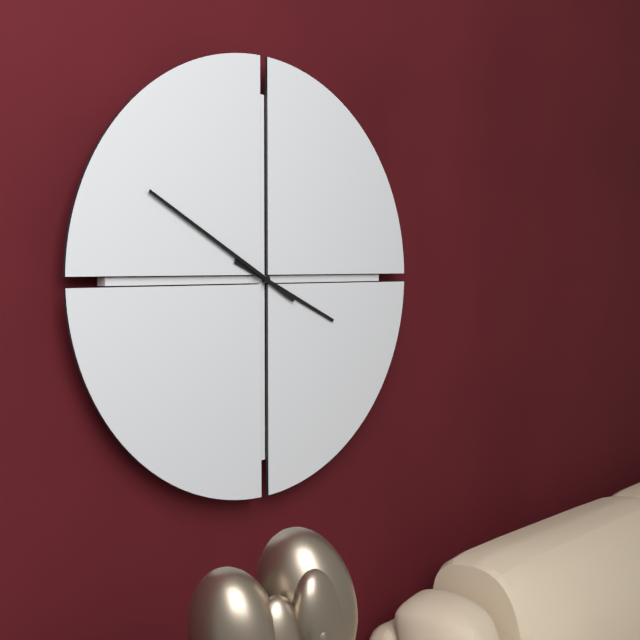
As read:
{"hour": 3, "minute": 50}
